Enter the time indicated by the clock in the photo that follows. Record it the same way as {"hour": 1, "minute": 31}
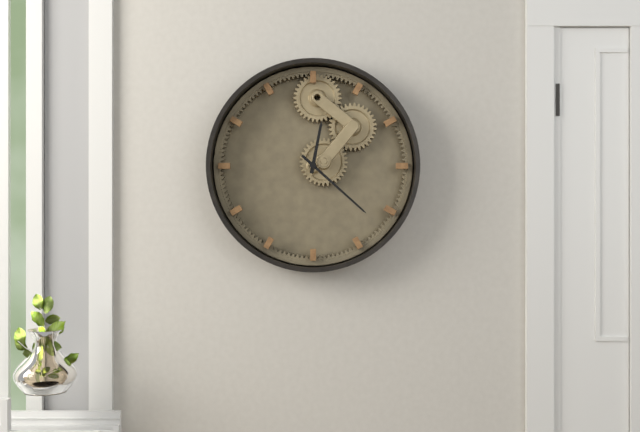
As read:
{"hour": 12, "minute": 22}
